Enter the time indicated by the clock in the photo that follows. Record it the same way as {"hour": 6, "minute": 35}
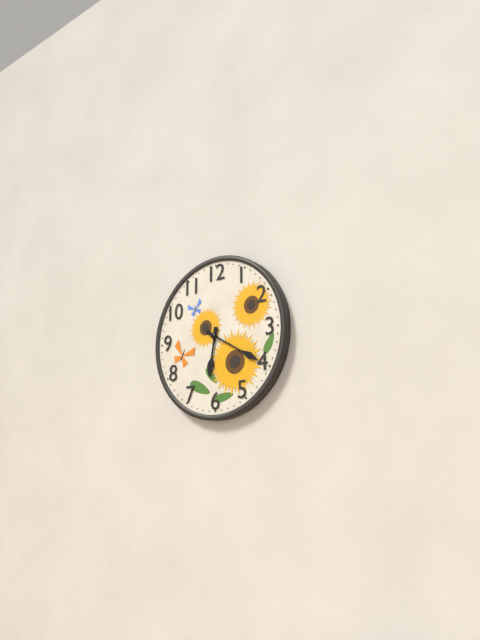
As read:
{"hour": 6, "minute": 20}
